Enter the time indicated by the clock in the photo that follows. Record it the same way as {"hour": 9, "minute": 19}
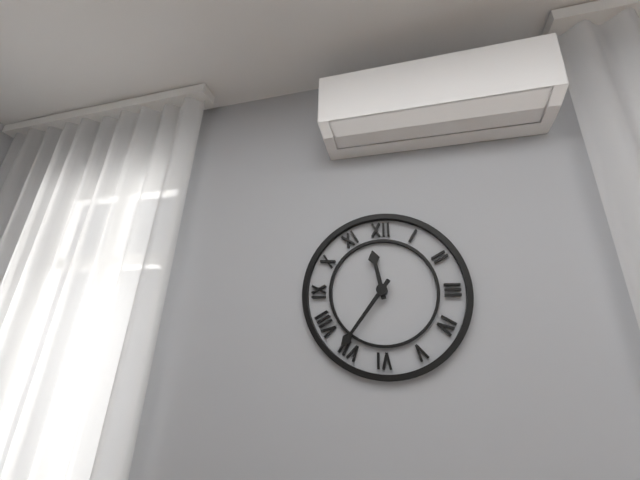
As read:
{"hour": 11, "minute": 36}
